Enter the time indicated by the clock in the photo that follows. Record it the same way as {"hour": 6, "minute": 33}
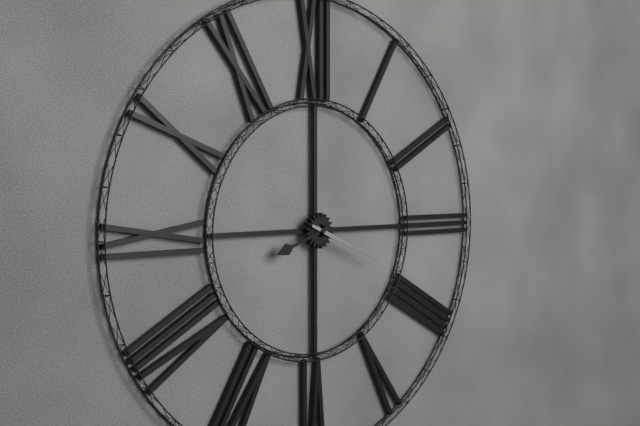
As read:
{"hour": 8, "minute": 19}
